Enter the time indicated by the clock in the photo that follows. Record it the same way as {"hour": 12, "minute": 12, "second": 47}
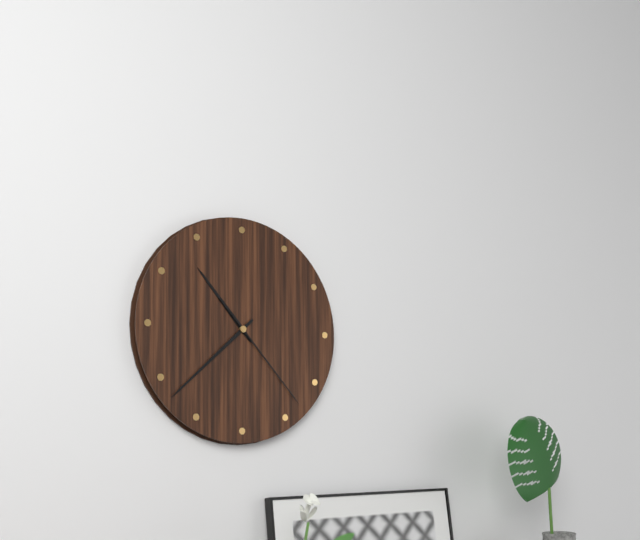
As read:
{"hour": 10, "minute": 38, "second": 23}
